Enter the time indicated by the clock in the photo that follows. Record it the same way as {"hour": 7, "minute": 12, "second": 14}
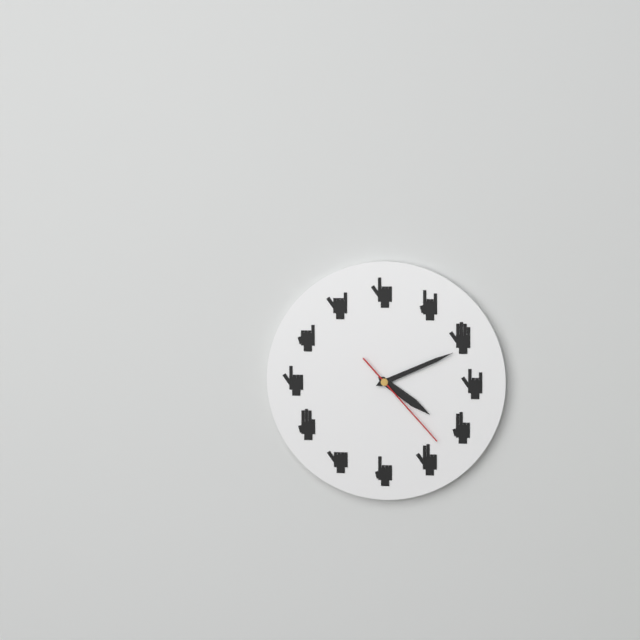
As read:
{"hour": 4, "minute": 11, "second": 23}
